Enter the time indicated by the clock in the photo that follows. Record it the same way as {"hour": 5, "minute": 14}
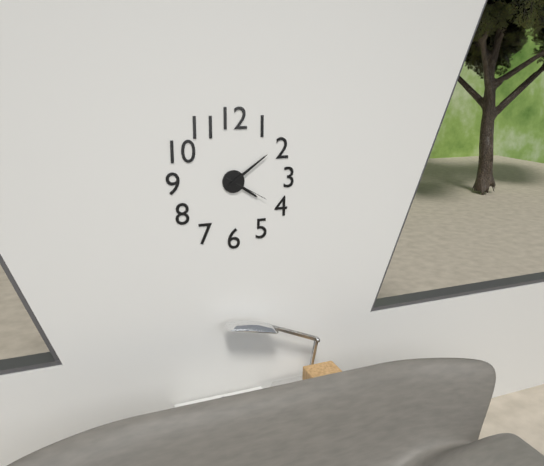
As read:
{"hour": 4, "minute": 9}
